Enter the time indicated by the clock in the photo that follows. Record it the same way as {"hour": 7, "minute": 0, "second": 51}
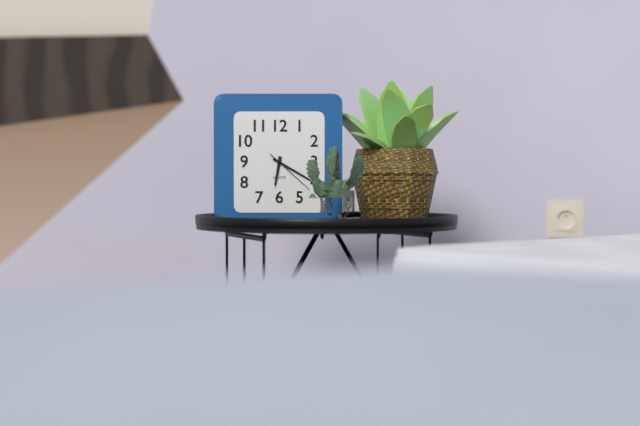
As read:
{"hour": 6, "minute": 20, "second": 22}
